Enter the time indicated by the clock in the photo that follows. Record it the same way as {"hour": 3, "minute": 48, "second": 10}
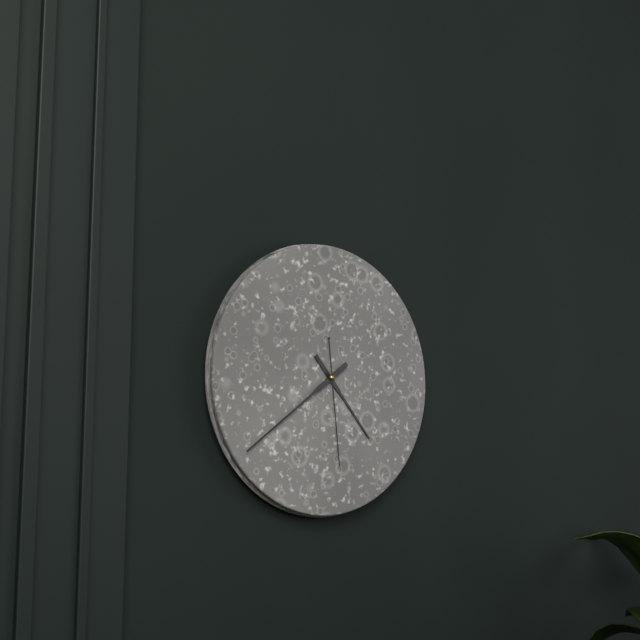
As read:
{"hour": 4, "minute": 39, "second": 29}
